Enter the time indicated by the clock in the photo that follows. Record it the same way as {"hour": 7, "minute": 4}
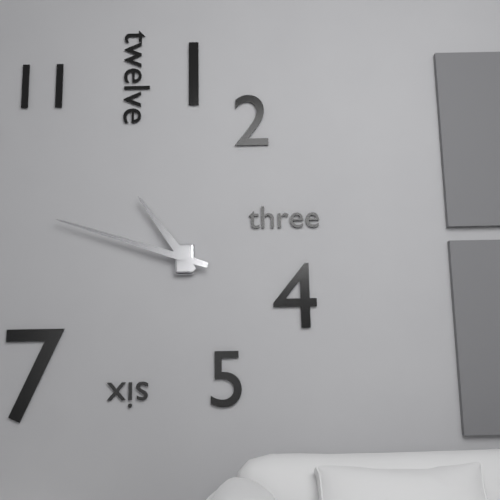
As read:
{"hour": 10, "minute": 48}
